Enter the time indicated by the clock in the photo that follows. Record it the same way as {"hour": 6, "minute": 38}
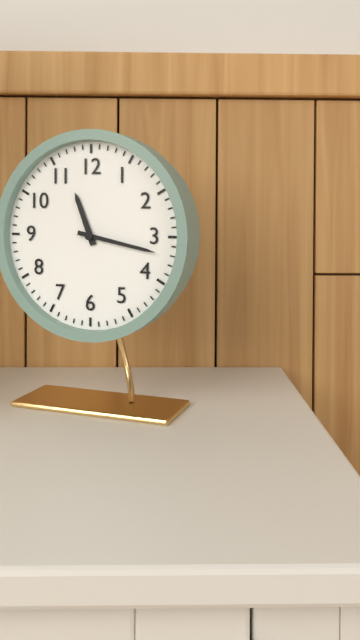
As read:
{"hour": 11, "minute": 17}
